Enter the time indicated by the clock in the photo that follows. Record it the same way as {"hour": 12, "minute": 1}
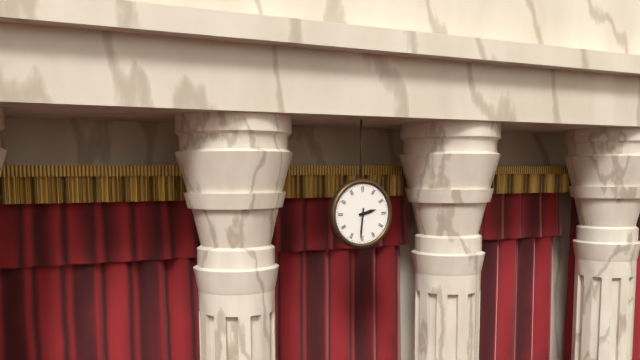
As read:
{"hour": 2, "minute": 31}
